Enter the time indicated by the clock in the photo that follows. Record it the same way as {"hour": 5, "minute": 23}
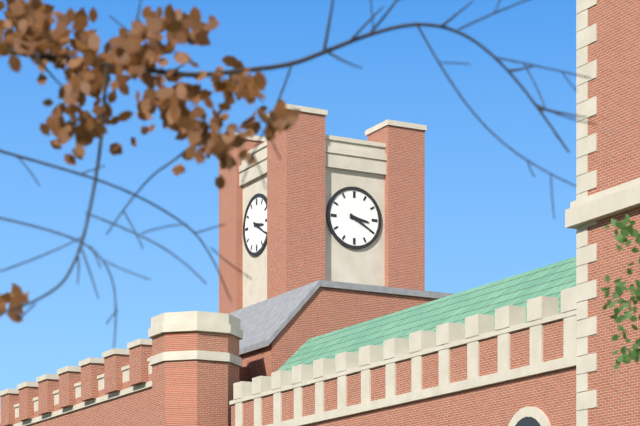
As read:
{"hour": 3, "minute": 20}
